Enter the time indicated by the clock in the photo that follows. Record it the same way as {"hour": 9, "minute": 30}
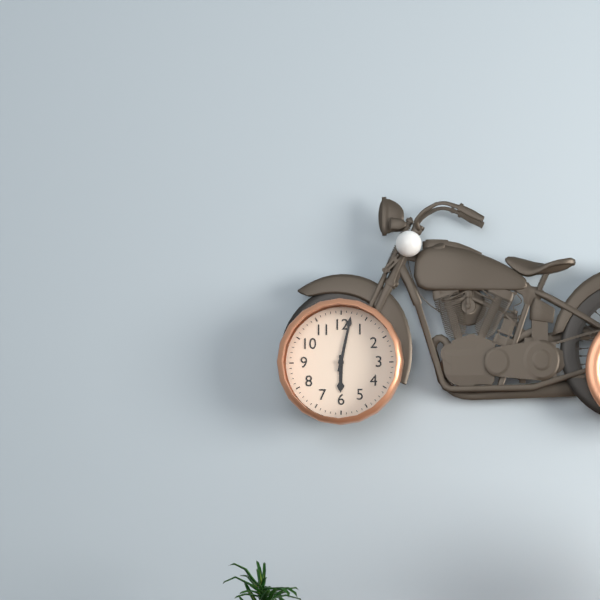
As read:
{"hour": 6, "minute": 2}
